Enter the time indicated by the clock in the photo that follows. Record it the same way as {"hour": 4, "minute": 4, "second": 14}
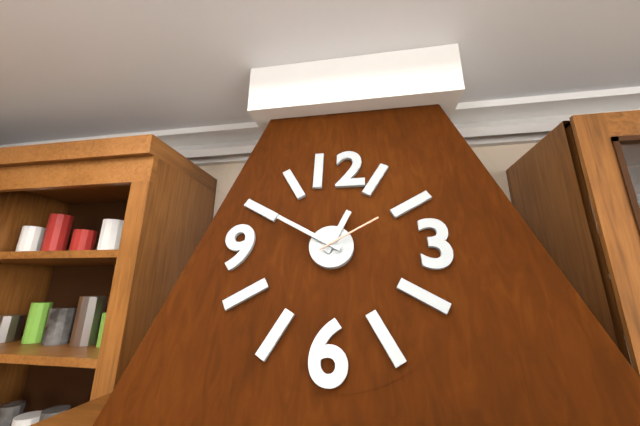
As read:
{"hour": 12, "minute": 50, "second": 10}
